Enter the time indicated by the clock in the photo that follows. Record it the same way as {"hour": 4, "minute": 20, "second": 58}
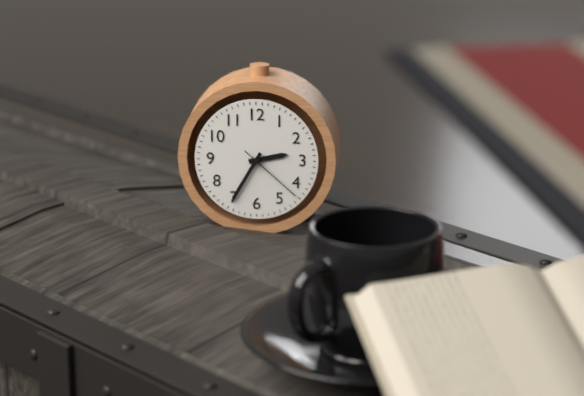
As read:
{"hour": 2, "minute": 35, "second": 22}
